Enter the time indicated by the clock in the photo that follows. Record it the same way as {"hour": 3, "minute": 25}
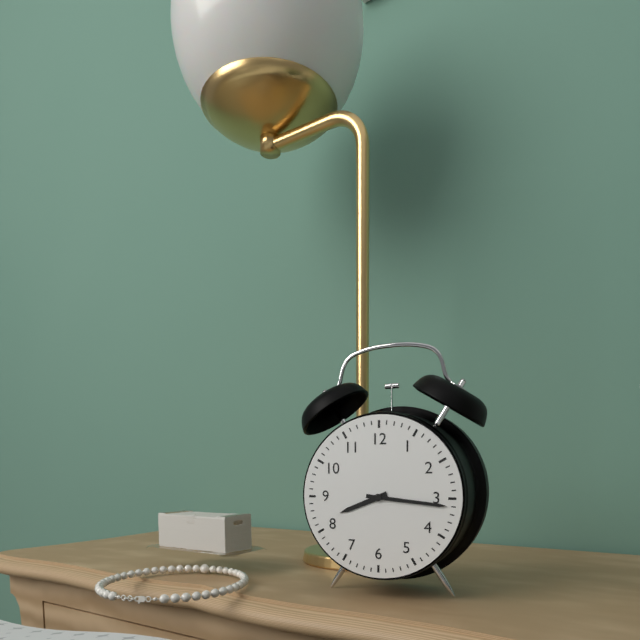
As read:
{"hour": 8, "minute": 16}
